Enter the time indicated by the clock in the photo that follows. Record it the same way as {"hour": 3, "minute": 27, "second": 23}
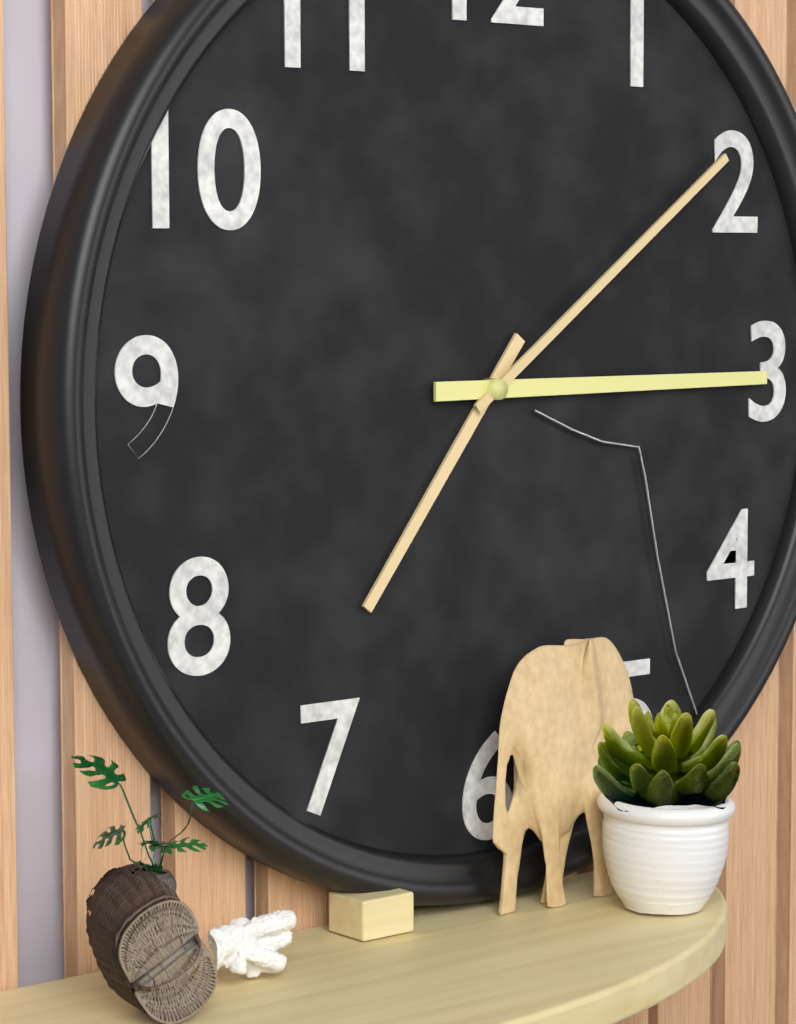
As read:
{"hour": 7, "minute": 15, "second": 9}
